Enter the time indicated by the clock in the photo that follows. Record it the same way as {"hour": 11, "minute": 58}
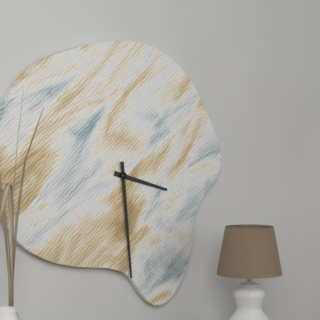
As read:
{"hour": 3, "minute": 29}
